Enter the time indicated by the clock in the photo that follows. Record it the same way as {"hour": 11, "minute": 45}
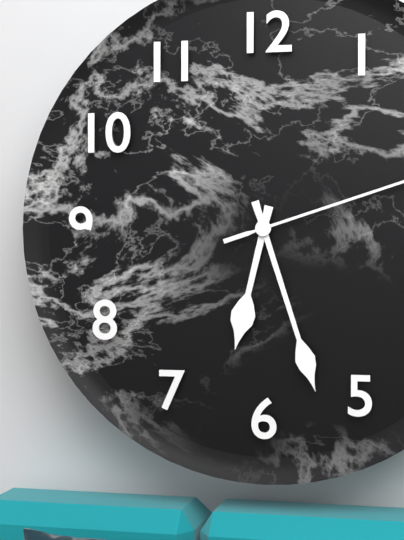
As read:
{"hour": 6, "minute": 27}
